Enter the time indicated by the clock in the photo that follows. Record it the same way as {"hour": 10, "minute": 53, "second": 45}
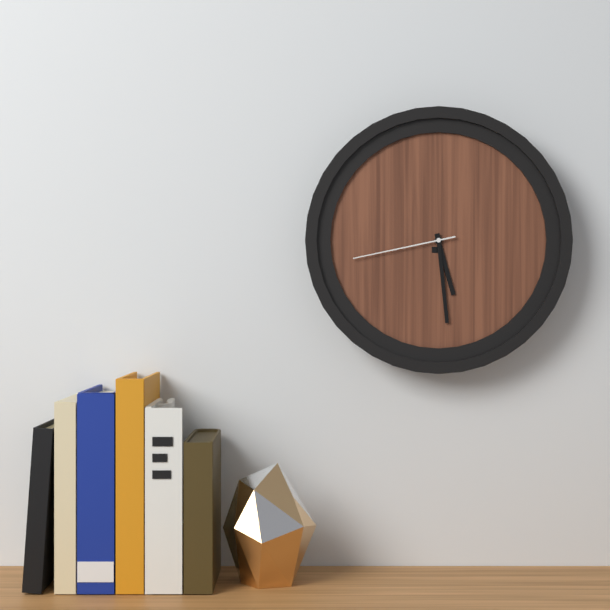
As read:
{"hour": 5, "minute": 29, "second": 43}
